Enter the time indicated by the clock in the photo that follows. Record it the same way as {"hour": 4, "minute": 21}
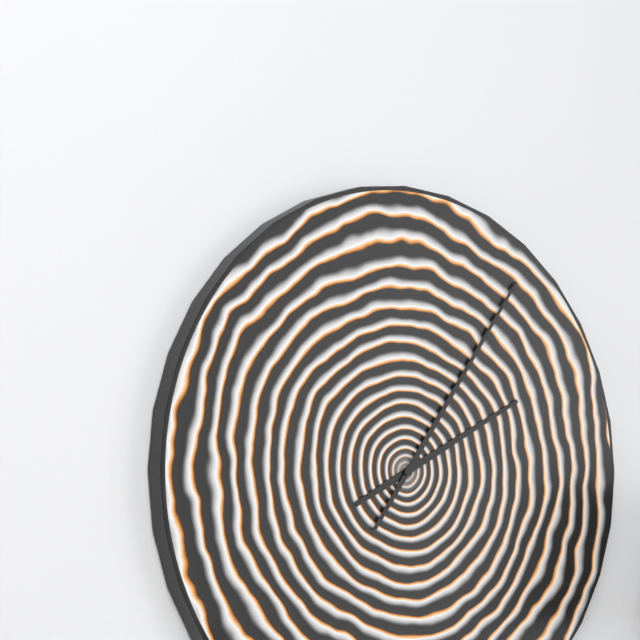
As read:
{"hour": 2, "minute": 6}
